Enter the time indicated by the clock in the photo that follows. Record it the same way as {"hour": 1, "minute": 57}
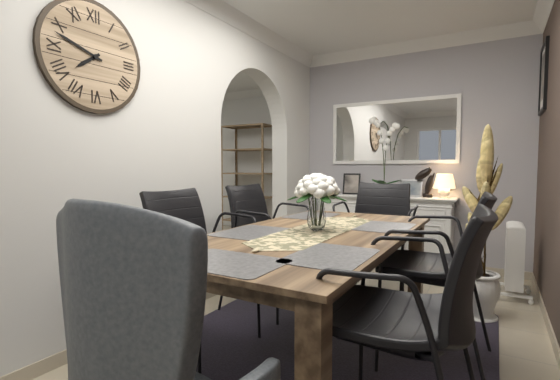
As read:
{"hour": 7, "minute": 48}
